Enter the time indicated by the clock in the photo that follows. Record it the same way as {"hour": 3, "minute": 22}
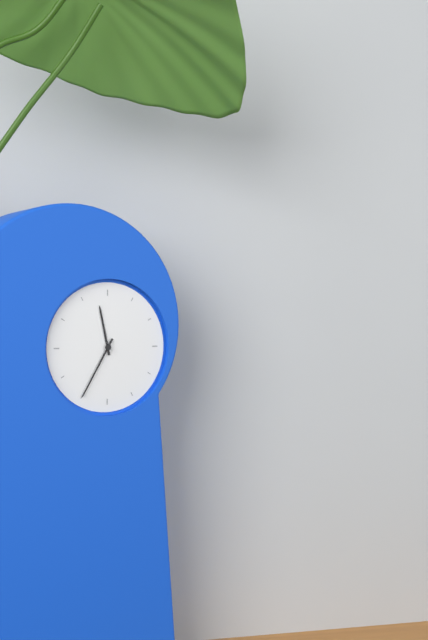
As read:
{"hour": 11, "minute": 35}
